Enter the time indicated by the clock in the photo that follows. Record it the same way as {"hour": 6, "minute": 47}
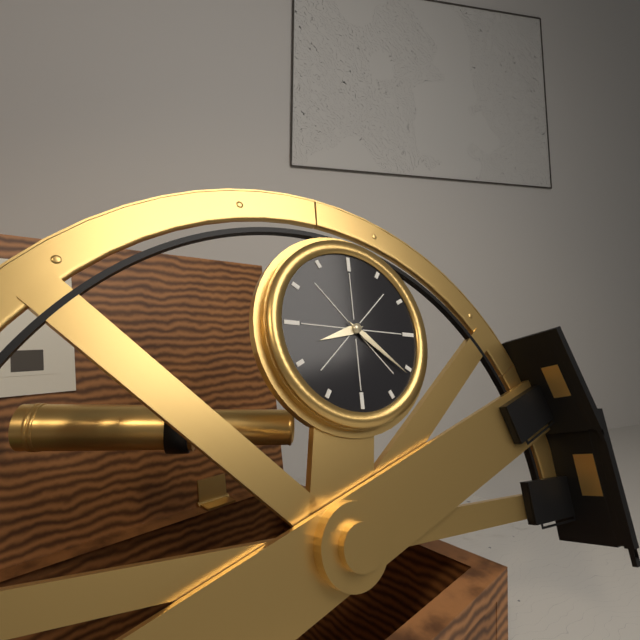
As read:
{"hour": 8, "minute": 21}
